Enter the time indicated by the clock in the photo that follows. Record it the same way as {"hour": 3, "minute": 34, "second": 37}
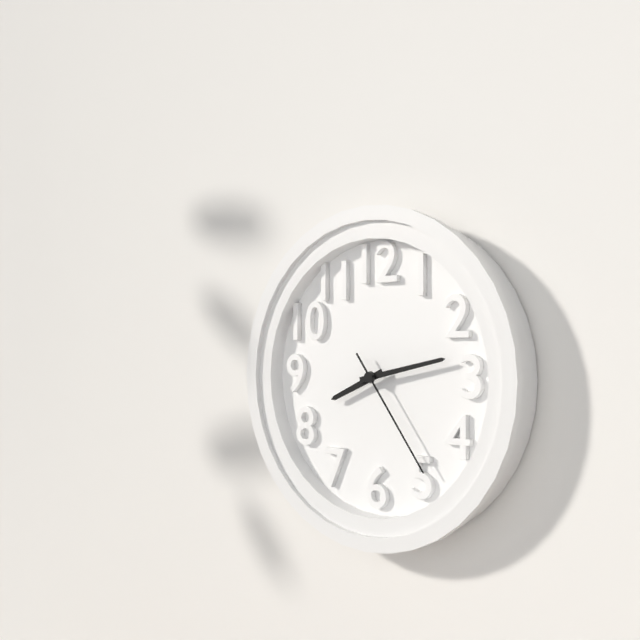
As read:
{"hour": 8, "minute": 13, "second": 24}
